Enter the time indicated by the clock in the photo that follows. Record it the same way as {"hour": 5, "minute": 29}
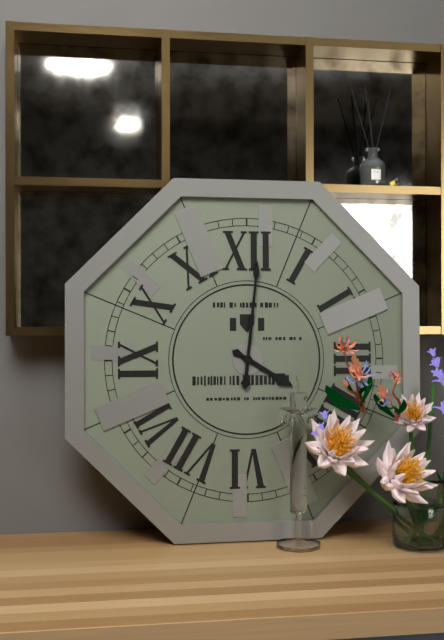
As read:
{"hour": 4, "minute": 1}
